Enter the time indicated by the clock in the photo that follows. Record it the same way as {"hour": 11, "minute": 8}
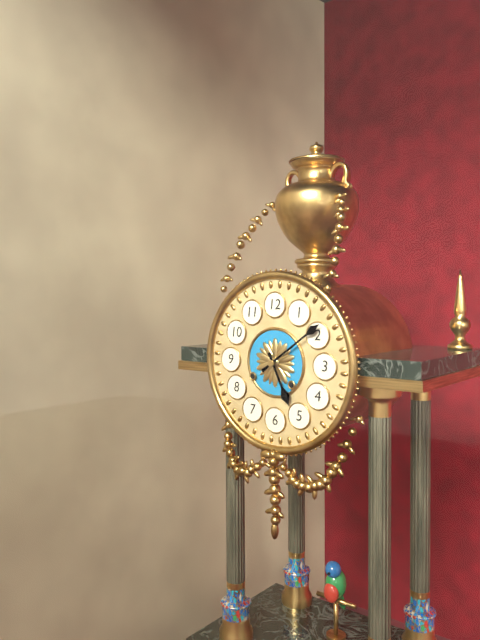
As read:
{"hour": 5, "minute": 9}
